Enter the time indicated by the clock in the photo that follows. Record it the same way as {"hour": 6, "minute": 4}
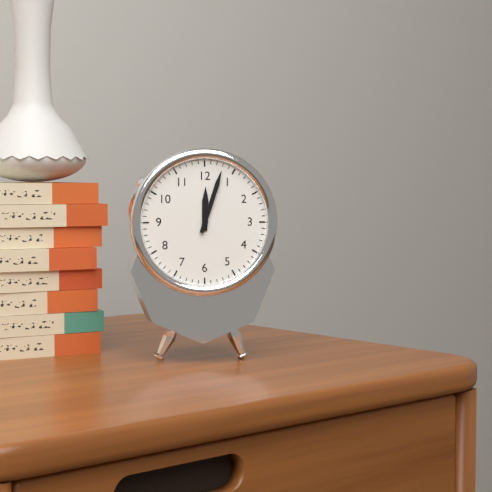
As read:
{"hour": 12, "minute": 3}
